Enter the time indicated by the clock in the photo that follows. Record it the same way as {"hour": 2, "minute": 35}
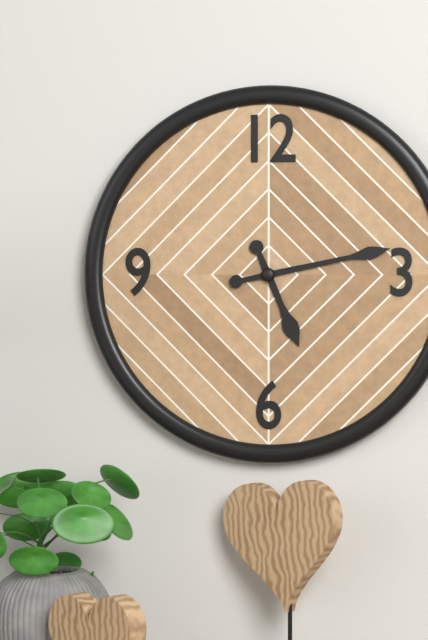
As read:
{"hour": 5, "minute": 13}
